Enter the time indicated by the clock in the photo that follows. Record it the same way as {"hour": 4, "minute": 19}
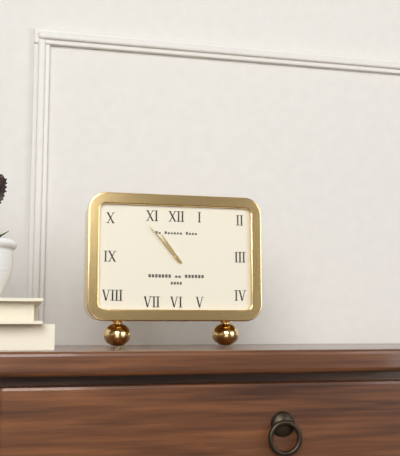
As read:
{"hour": 10, "minute": 53}
